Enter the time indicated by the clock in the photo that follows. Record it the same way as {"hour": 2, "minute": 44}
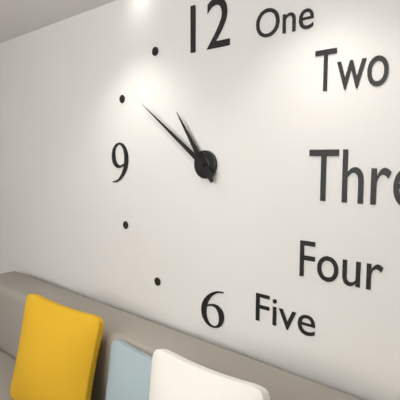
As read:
{"hour": 10, "minute": 51}
